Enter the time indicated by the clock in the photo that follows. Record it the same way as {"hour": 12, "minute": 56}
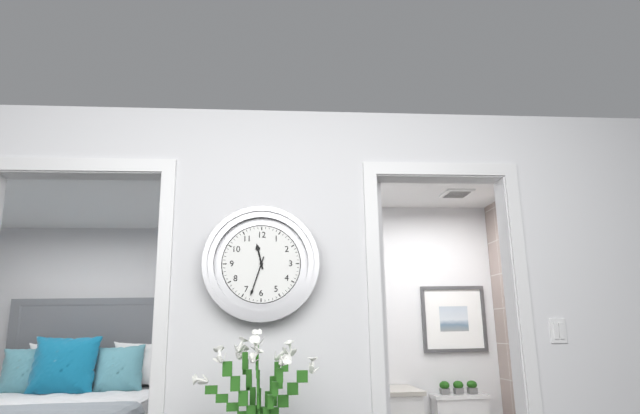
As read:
{"hour": 11, "minute": 33}
